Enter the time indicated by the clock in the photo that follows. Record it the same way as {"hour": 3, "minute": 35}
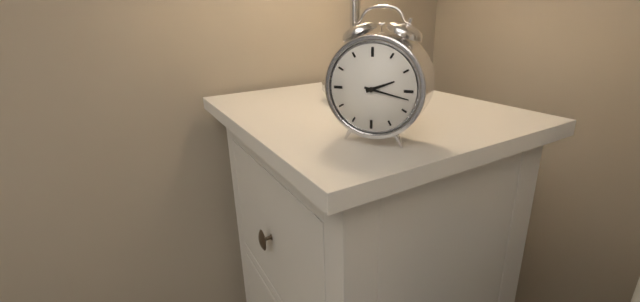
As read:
{"hour": 2, "minute": 17}
